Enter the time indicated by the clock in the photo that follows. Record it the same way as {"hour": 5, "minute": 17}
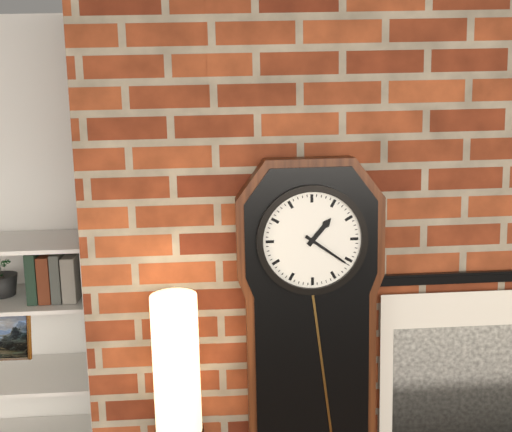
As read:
{"hour": 1, "minute": 21}
